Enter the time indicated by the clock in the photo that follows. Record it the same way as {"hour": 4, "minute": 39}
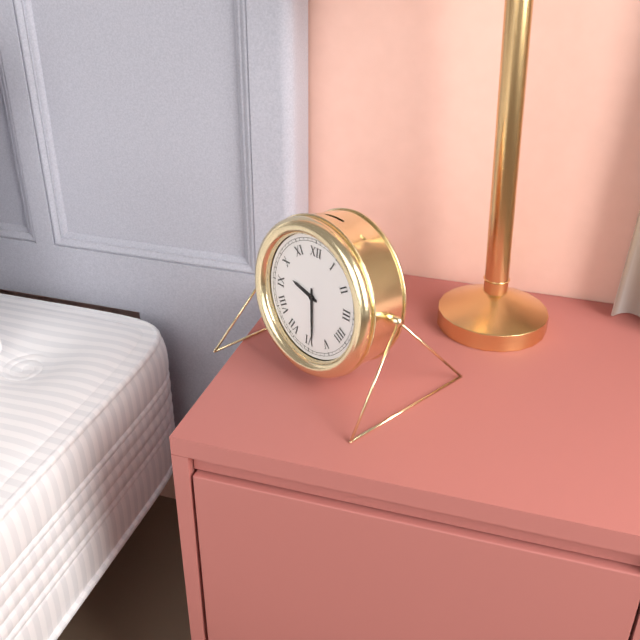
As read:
{"hour": 9, "minute": 29}
